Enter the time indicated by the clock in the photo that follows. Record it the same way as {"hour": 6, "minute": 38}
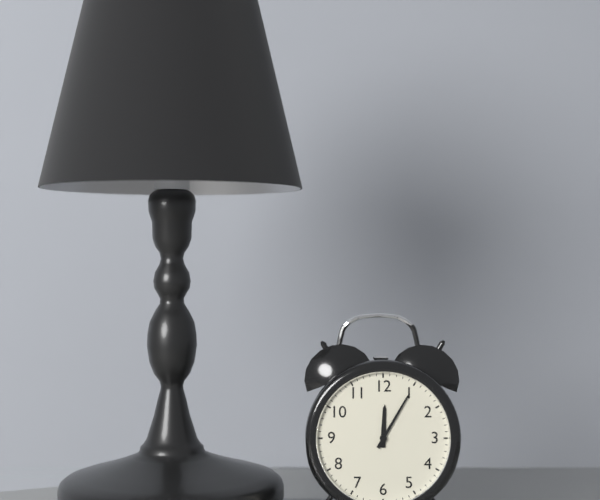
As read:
{"hour": 12, "minute": 5}
